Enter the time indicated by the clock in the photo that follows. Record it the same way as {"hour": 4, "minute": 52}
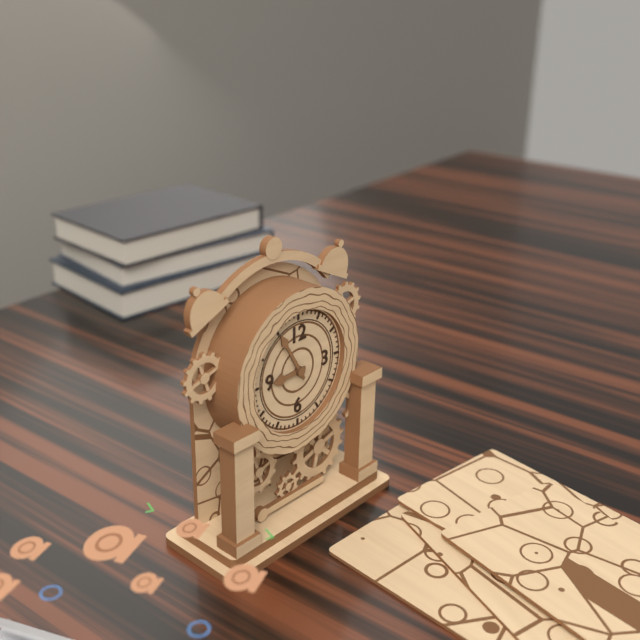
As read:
{"hour": 8, "minute": 55}
